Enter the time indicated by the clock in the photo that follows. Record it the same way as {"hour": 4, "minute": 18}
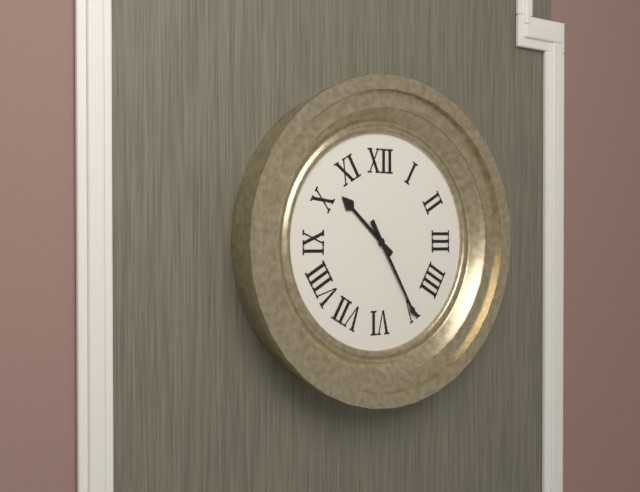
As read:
{"hour": 10, "minute": 25}
